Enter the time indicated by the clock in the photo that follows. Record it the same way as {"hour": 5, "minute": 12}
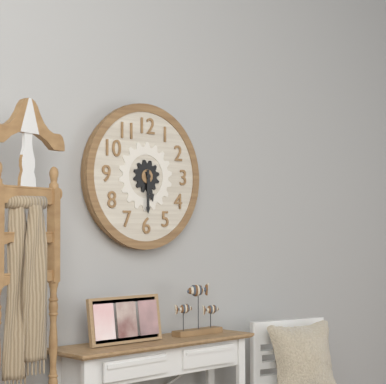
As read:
{"hour": 5, "minute": 30}
